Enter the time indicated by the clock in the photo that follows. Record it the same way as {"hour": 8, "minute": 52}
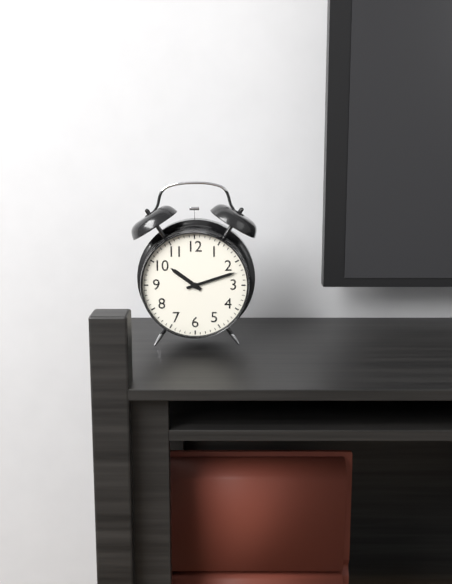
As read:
{"hour": 10, "minute": 12}
